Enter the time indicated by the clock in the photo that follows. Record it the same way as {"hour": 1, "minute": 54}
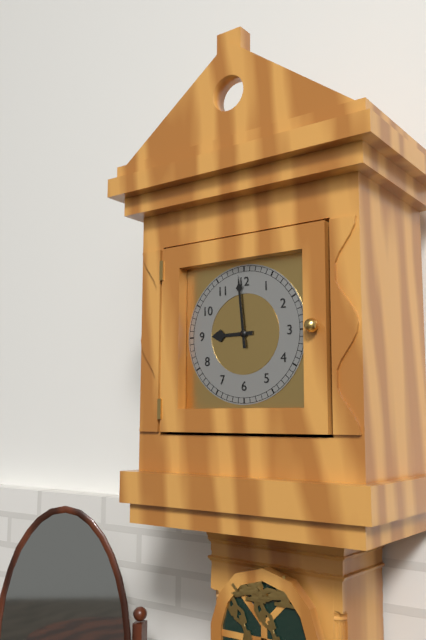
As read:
{"hour": 8, "minute": 59}
